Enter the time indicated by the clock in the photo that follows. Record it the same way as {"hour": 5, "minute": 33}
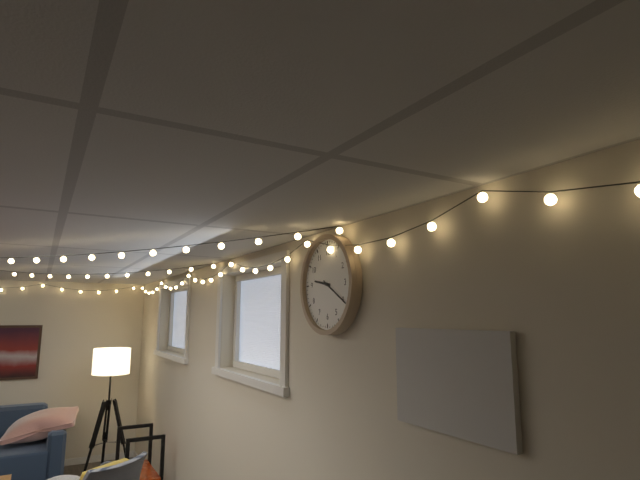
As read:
{"hour": 9, "minute": 20}
